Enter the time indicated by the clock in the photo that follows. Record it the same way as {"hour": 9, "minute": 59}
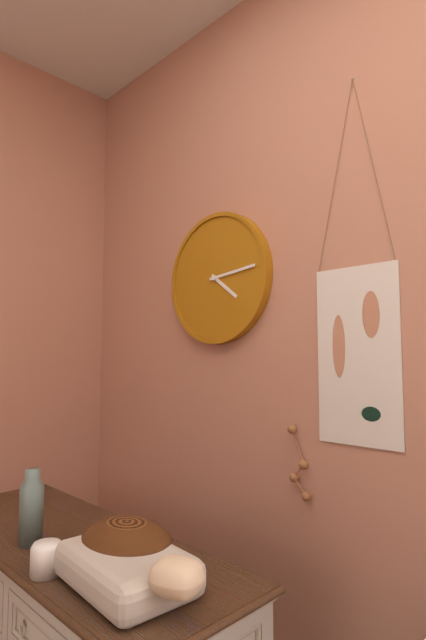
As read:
{"hour": 4, "minute": 14}
